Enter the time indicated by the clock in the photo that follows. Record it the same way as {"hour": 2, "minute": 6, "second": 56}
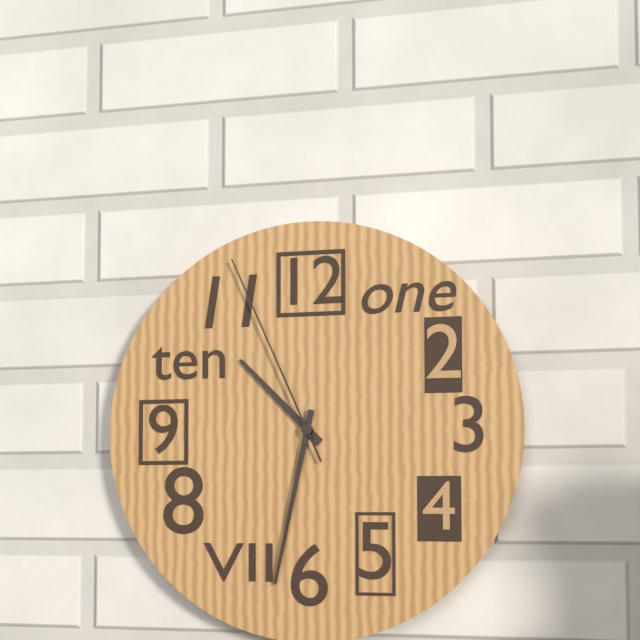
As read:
{"hour": 10, "minute": 32, "second": 56}
